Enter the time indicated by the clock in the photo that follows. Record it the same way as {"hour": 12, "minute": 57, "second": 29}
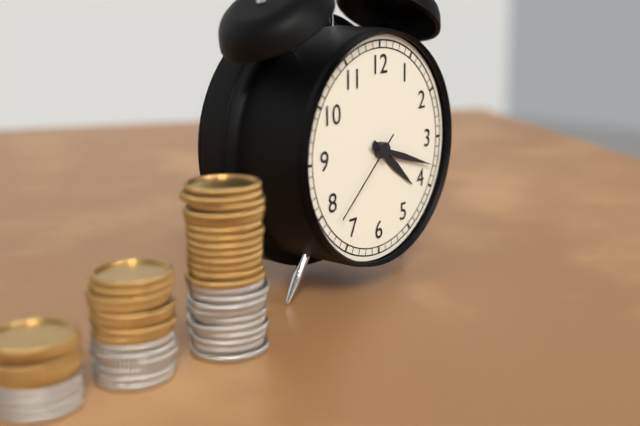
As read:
{"hour": 4, "minute": 18, "second": 38}
